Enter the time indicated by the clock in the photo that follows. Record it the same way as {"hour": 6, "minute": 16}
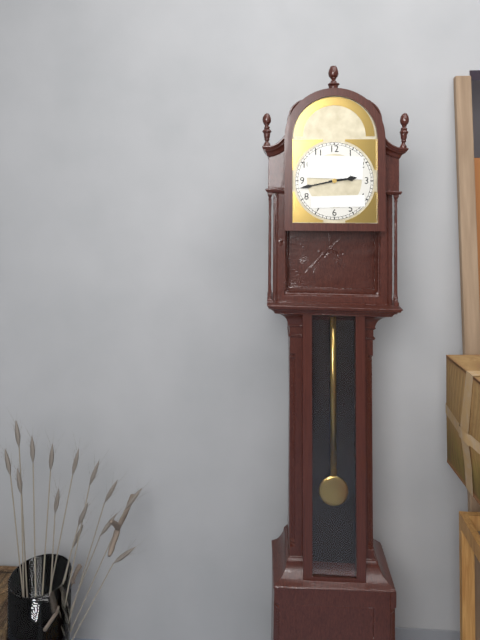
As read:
{"hour": 2, "minute": 43}
